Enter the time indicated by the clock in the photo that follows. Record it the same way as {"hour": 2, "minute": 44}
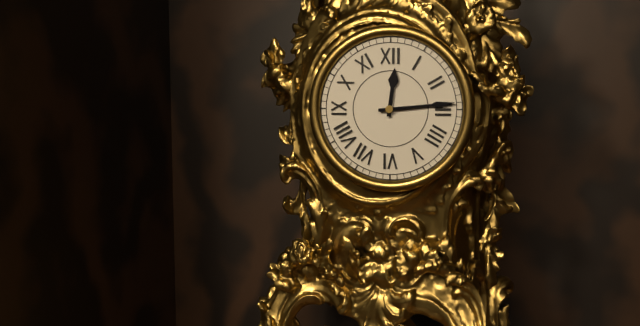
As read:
{"hour": 12, "minute": 14}
